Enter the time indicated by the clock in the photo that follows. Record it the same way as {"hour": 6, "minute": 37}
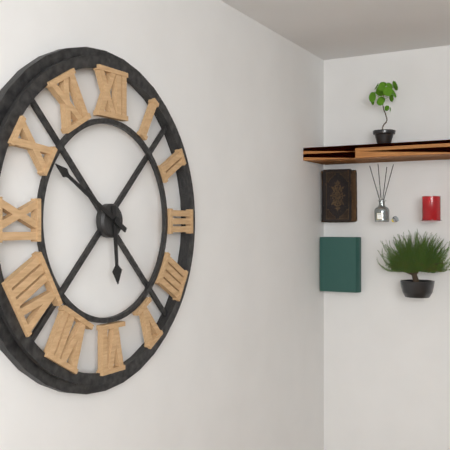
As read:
{"hour": 5, "minute": 50}
